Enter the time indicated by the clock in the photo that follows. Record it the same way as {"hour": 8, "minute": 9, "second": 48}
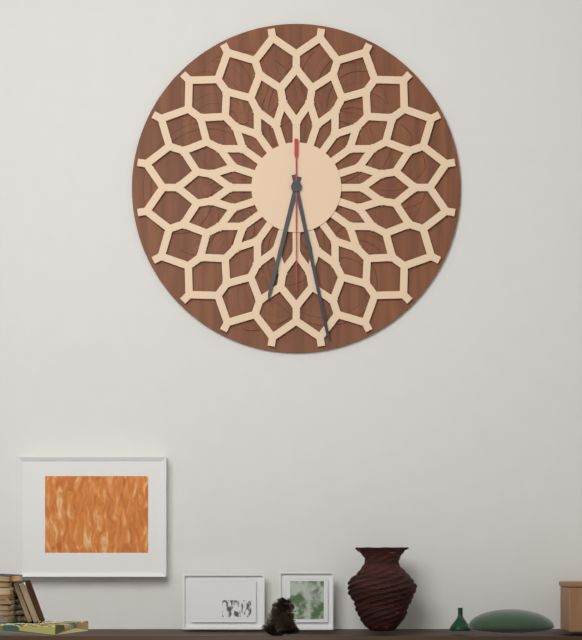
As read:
{"hour": 6, "minute": 28, "second": 30}
